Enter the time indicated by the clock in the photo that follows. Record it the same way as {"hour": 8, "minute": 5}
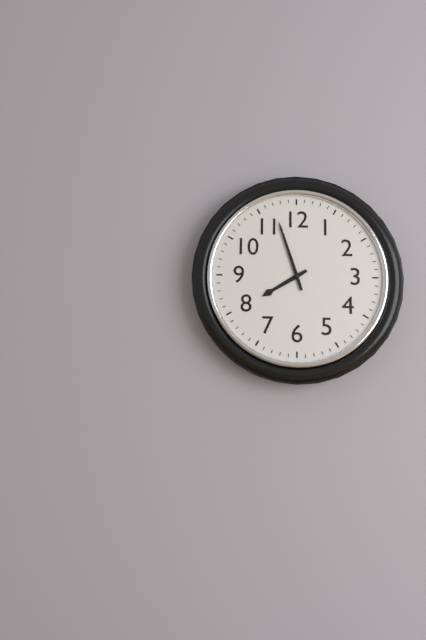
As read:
{"hour": 7, "minute": 57}
